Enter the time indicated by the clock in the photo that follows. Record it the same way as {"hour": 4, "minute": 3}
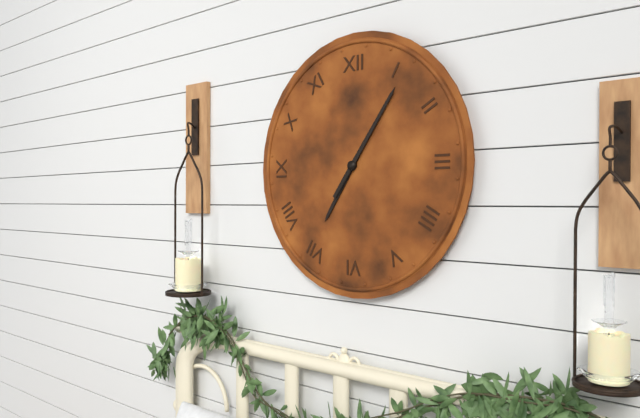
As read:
{"hour": 7, "minute": 6}
